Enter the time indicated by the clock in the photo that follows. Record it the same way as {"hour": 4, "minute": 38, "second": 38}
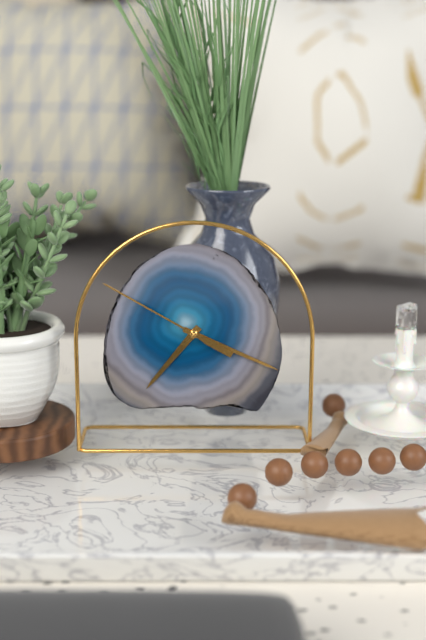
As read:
{"hour": 7, "minute": 19, "second": 50}
